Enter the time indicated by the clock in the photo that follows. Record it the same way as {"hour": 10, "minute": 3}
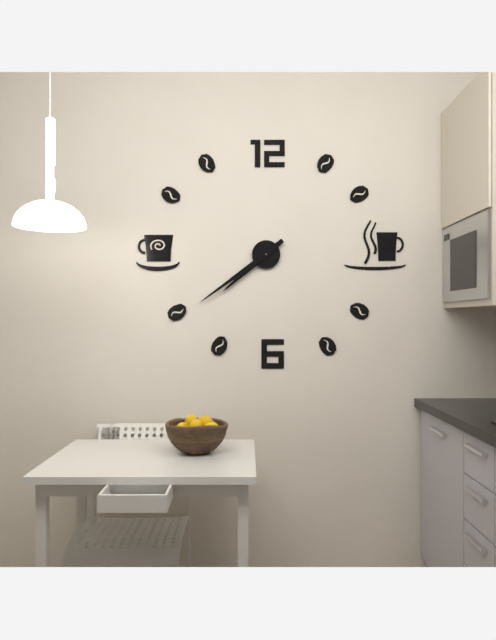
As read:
{"hour": 7, "minute": 39}
